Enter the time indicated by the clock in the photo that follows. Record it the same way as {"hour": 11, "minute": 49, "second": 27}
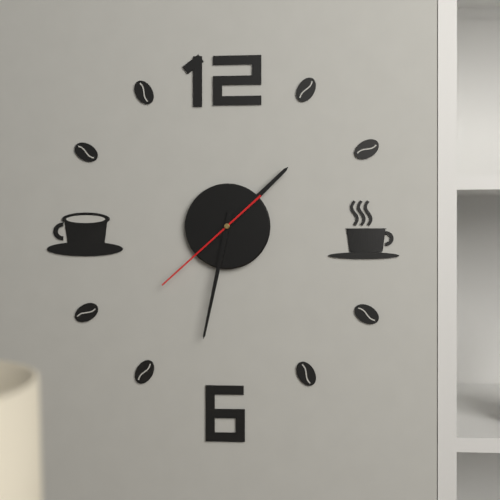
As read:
{"hour": 1, "minute": 32, "second": 38}
